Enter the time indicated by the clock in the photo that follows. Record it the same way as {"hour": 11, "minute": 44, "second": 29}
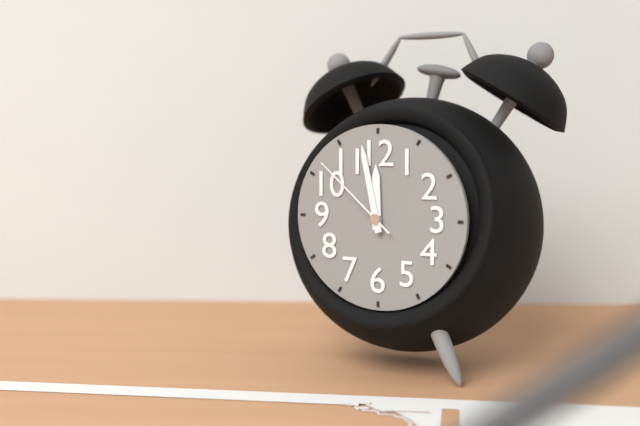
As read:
{"hour": 11, "minute": 58, "second": 52}
